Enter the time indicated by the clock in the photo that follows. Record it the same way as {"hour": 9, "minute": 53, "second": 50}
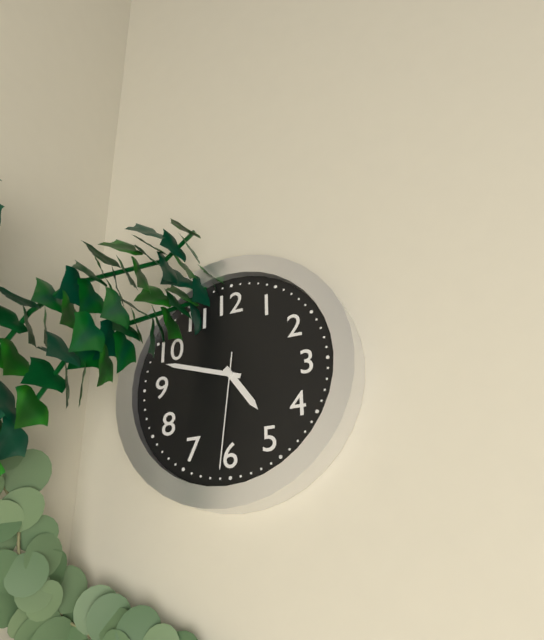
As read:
{"hour": 4, "minute": 48, "second": 31}
